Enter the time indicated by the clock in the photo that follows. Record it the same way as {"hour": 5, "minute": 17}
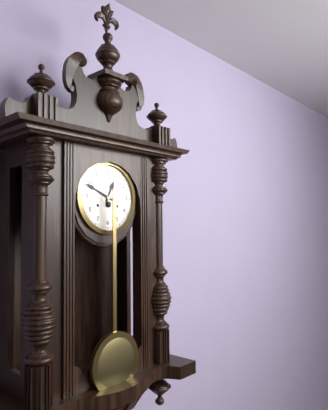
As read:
{"hour": 12, "minute": 49}
